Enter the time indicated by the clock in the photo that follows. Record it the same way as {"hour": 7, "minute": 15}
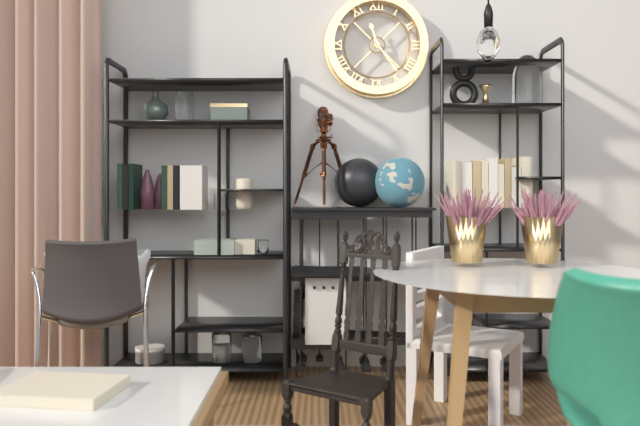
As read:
{"hour": 11, "minute": 24}
